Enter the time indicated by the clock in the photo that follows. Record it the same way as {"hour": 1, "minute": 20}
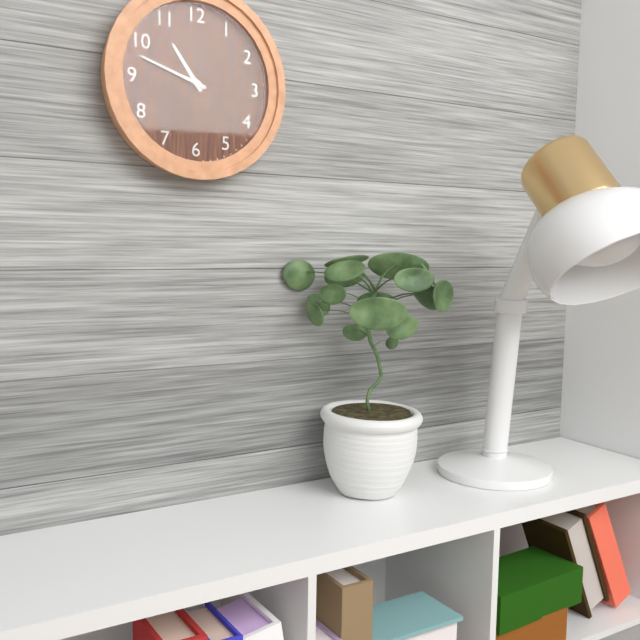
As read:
{"hour": 10, "minute": 48}
